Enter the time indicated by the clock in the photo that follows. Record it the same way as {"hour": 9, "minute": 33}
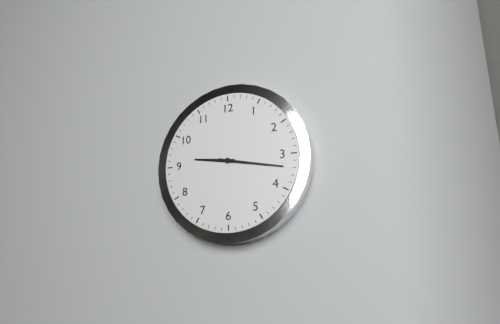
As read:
{"hour": 9, "minute": 17}
